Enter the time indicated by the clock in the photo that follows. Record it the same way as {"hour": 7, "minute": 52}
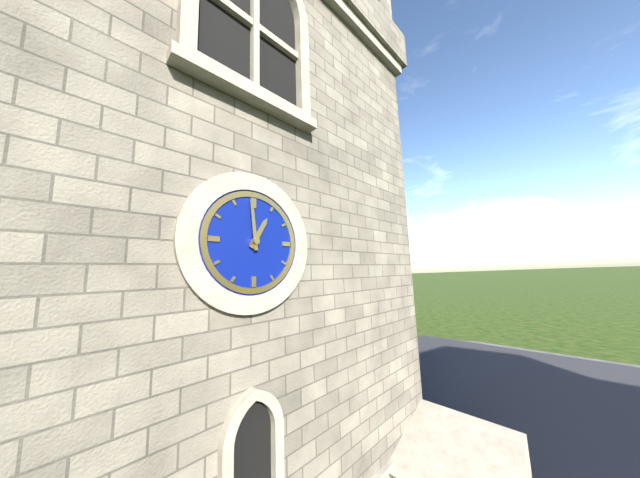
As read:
{"hour": 12, "minute": 59}
